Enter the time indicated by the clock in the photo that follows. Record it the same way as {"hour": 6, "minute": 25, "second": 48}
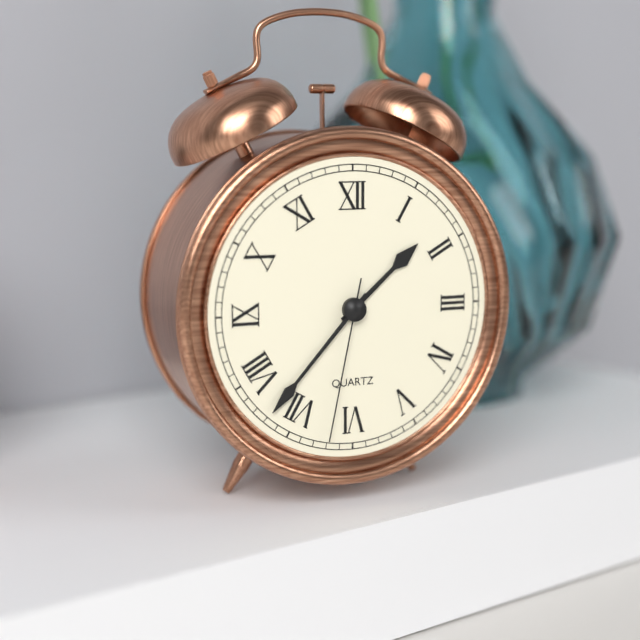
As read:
{"hour": 1, "minute": 37, "second": 32}
